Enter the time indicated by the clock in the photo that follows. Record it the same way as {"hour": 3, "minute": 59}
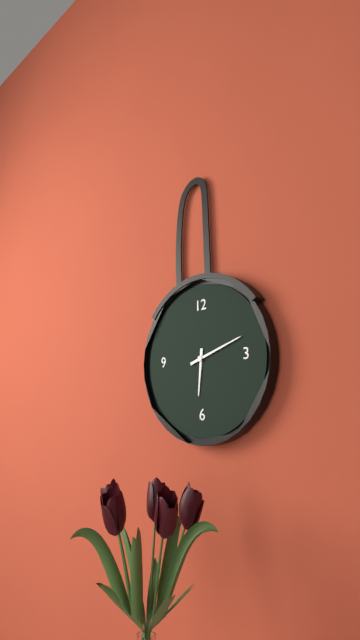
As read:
{"hour": 6, "minute": 12}
